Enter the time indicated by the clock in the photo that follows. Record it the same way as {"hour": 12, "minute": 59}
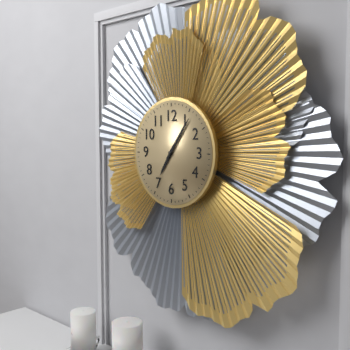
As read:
{"hour": 7, "minute": 6}
